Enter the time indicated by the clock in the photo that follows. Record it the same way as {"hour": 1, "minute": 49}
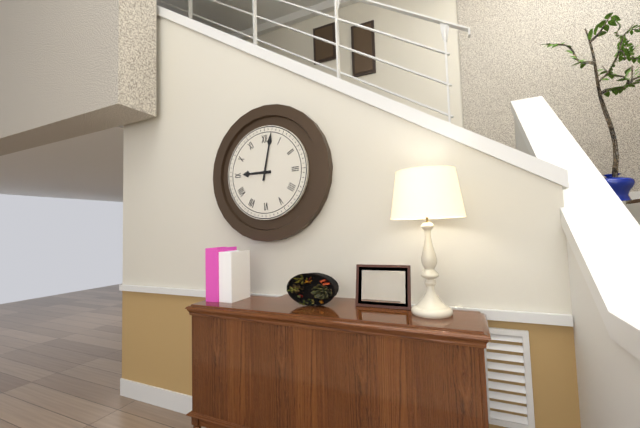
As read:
{"hour": 9, "minute": 2}
